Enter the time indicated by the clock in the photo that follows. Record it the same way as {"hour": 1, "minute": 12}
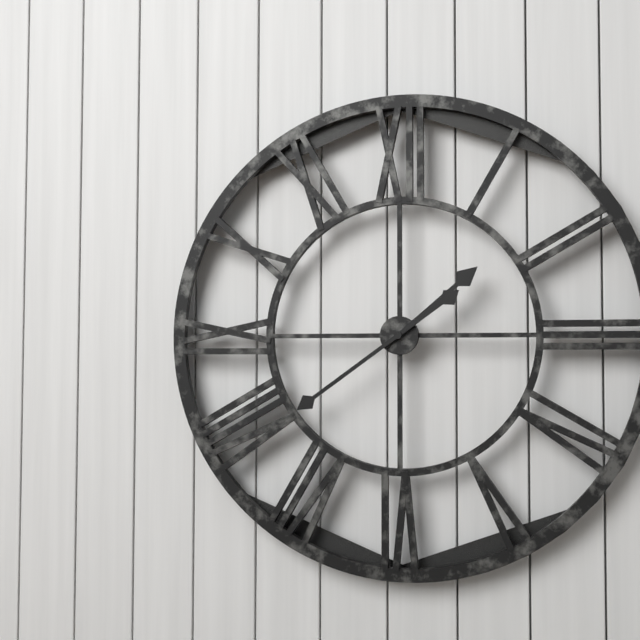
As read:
{"hour": 1, "minute": 39}
